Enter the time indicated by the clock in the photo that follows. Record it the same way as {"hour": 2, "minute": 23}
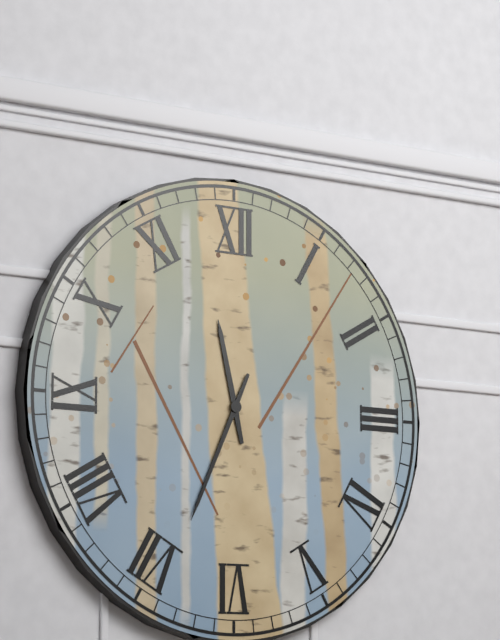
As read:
{"hour": 11, "minute": 34}
